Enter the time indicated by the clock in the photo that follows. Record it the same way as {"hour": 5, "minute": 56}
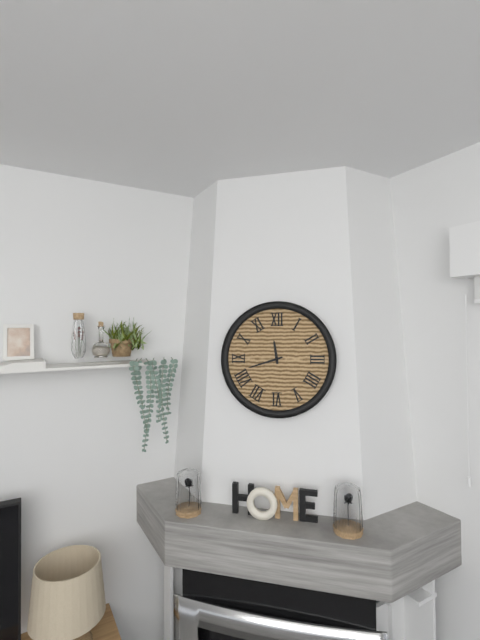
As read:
{"hour": 11, "minute": 42}
